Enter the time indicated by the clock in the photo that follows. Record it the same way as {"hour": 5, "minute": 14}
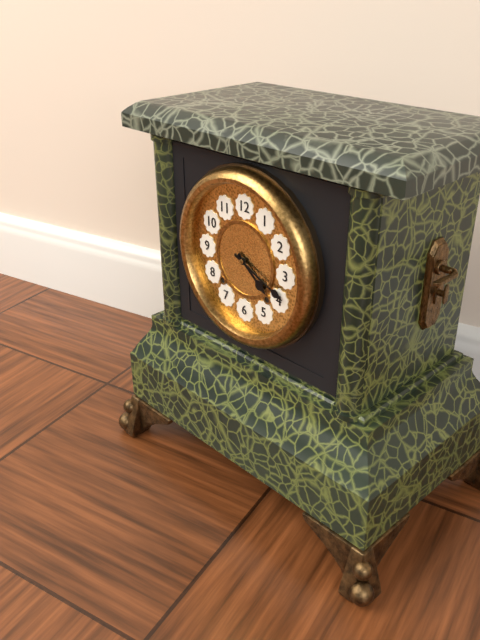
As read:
{"hour": 4, "minute": 19}
